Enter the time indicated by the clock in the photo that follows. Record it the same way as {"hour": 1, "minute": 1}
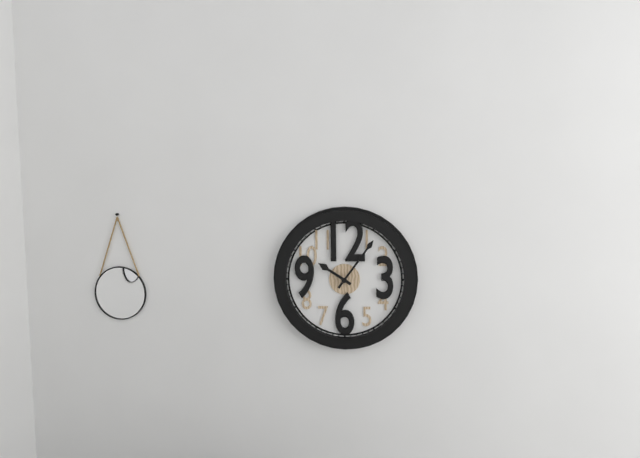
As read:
{"hour": 10, "minute": 6}
